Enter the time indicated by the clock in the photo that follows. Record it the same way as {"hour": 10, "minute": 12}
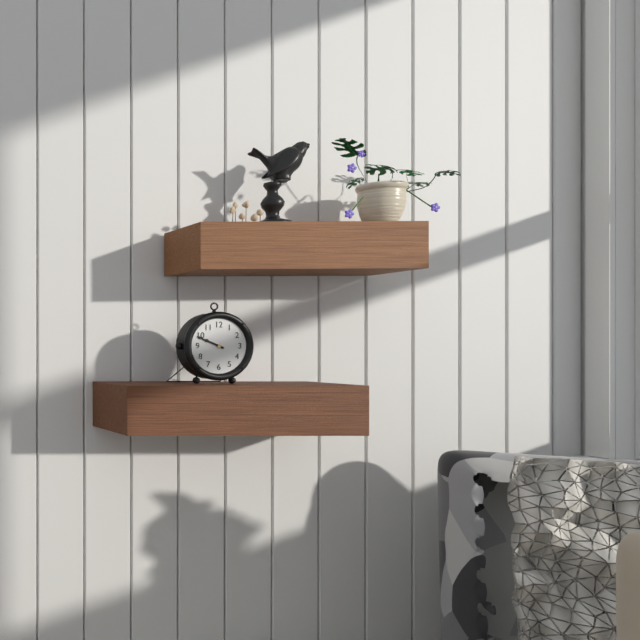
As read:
{"hour": 9, "minute": 49}
